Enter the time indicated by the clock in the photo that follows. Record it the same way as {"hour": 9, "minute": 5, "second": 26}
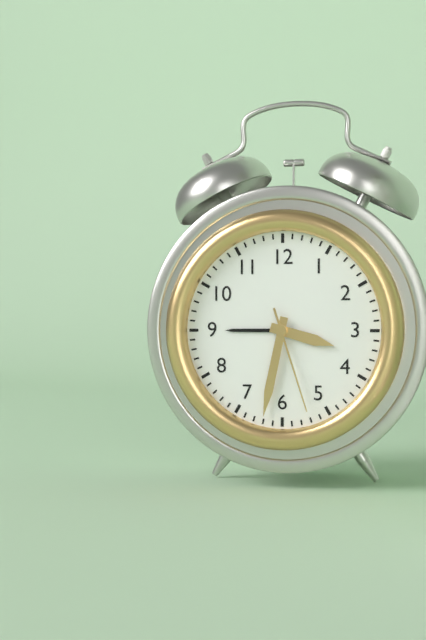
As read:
{"hour": 3, "minute": 32, "second": 27}
